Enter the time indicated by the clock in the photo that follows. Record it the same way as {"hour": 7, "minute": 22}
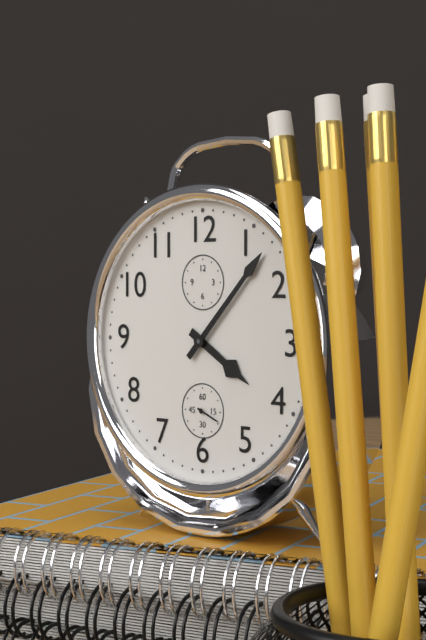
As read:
{"hour": 4, "minute": 7}
